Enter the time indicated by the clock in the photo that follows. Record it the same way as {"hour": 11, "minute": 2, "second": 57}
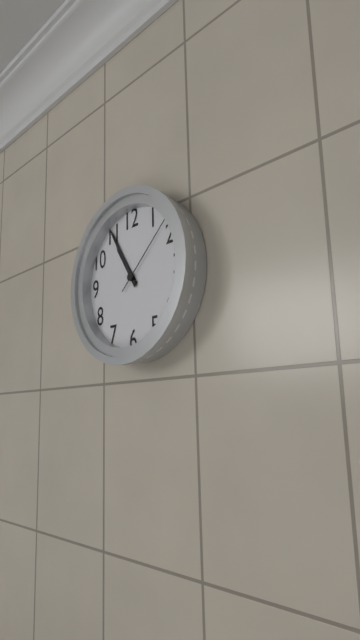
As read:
{"hour": 10, "minute": 55, "second": 8}
